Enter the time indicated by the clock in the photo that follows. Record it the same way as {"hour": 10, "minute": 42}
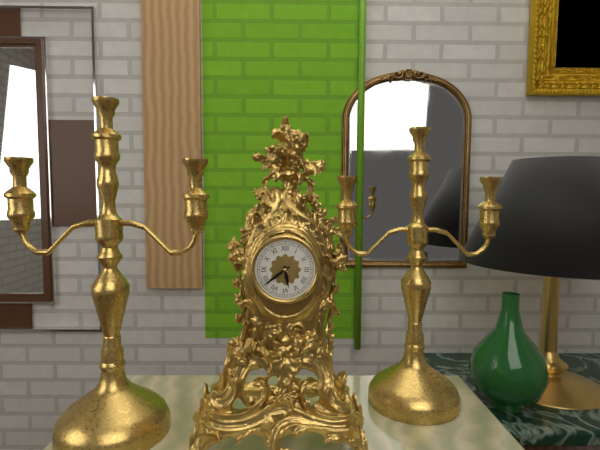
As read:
{"hour": 5, "minute": 39}
